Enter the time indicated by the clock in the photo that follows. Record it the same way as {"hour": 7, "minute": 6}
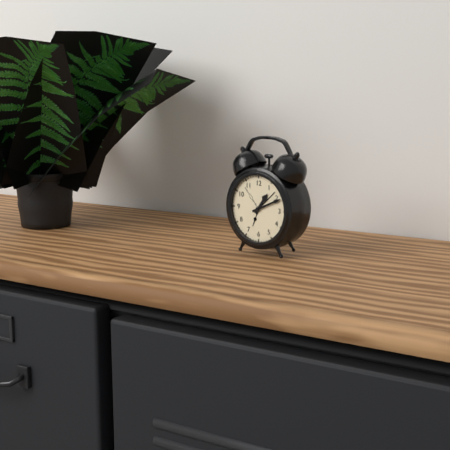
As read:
{"hour": 1, "minute": 11}
